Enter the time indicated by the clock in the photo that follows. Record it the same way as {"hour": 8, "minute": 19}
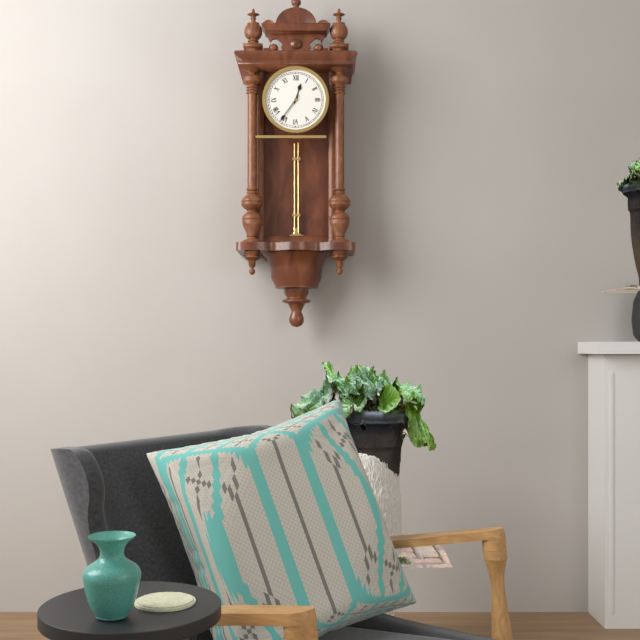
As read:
{"hour": 12, "minute": 36}
